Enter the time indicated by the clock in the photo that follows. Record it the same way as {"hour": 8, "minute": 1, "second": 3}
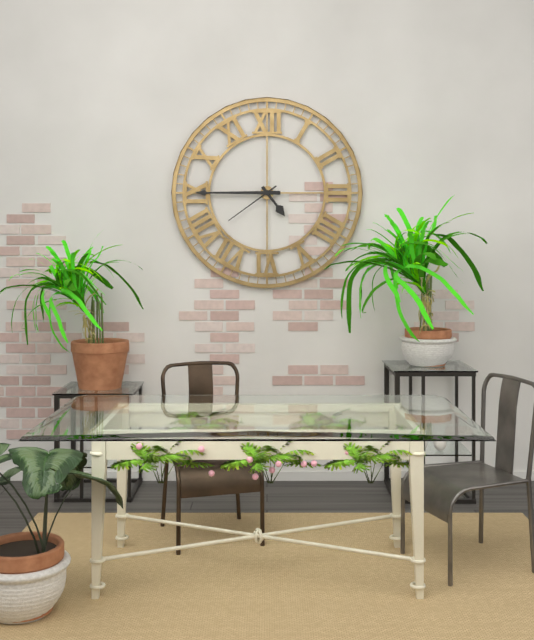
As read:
{"hour": 4, "minute": 45, "second": 39}
